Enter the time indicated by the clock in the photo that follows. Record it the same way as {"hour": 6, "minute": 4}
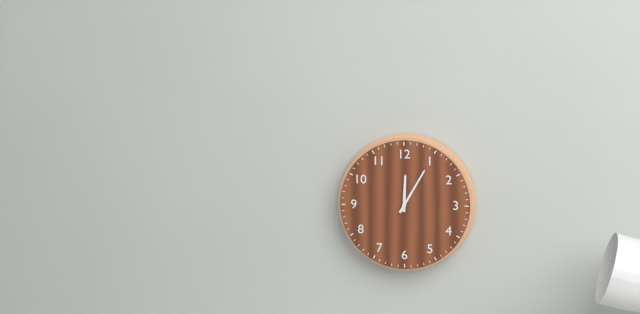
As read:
{"hour": 12, "minute": 5}
